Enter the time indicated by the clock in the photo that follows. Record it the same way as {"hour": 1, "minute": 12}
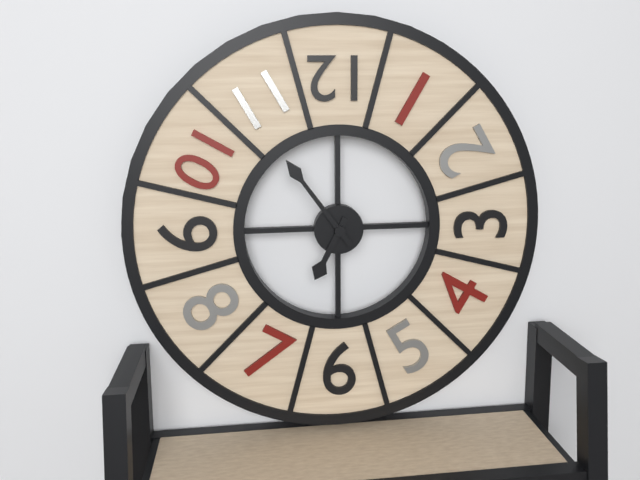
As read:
{"hour": 6, "minute": 54}
